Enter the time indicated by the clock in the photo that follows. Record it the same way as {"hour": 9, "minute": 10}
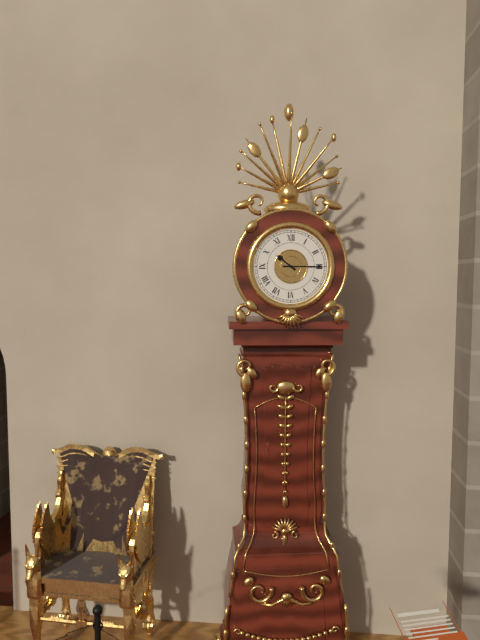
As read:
{"hour": 10, "minute": 15}
